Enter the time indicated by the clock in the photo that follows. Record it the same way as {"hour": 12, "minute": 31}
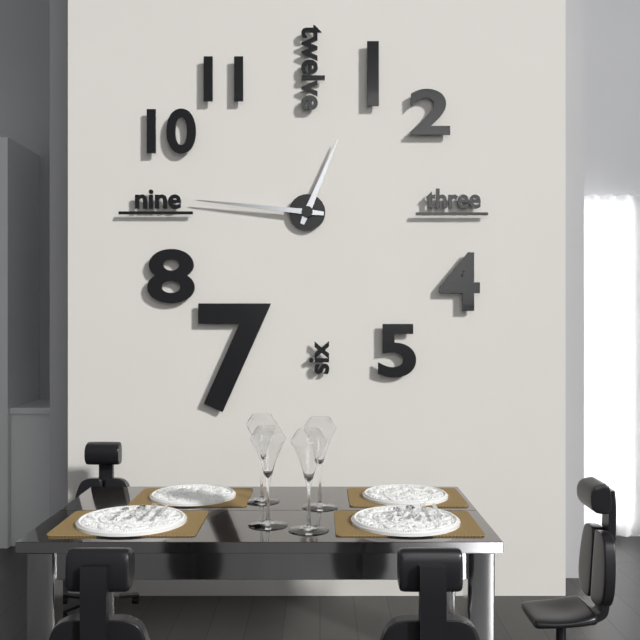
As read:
{"hour": 12, "minute": 46}
